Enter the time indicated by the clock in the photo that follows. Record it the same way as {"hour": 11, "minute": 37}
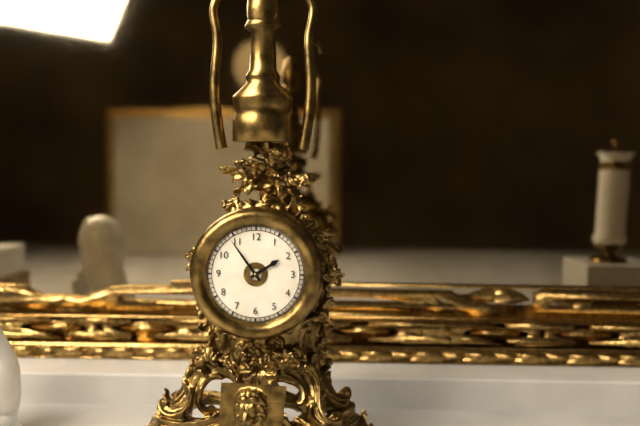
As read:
{"hour": 1, "minute": 54}
